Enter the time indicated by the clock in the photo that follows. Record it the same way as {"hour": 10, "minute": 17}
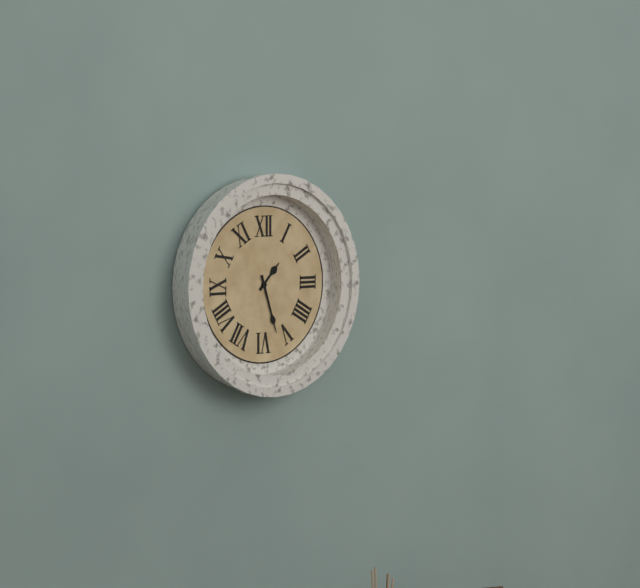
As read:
{"hour": 1, "minute": 27}
